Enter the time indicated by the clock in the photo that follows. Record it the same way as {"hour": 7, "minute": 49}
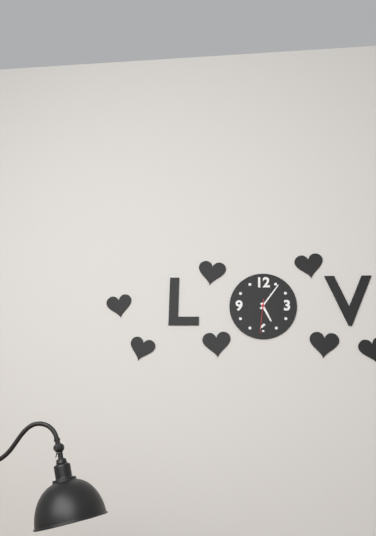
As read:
{"hour": 5, "minute": 6}
